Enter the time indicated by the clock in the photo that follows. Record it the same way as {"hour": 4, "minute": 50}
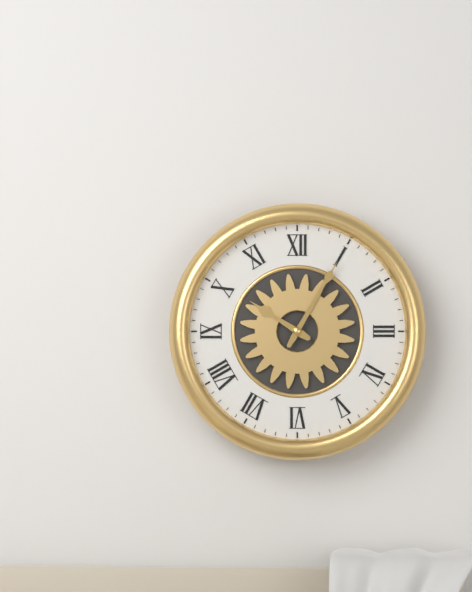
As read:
{"hour": 10, "minute": 5}
